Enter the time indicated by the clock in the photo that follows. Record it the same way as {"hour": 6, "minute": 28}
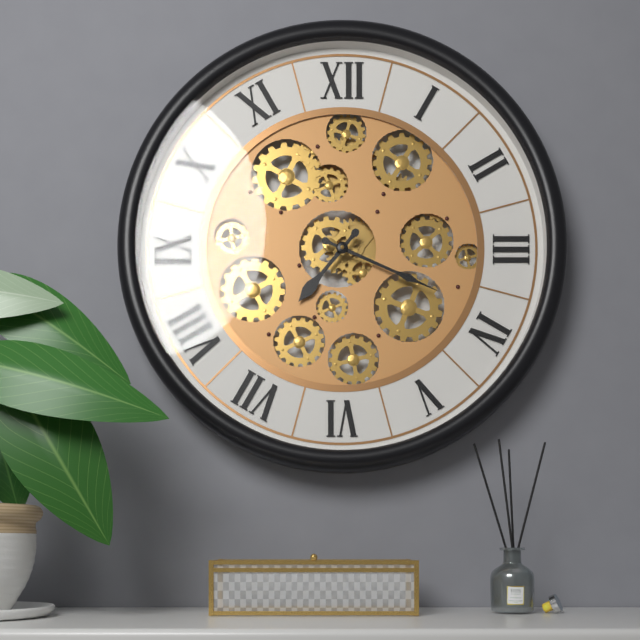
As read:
{"hour": 7, "minute": 19}
